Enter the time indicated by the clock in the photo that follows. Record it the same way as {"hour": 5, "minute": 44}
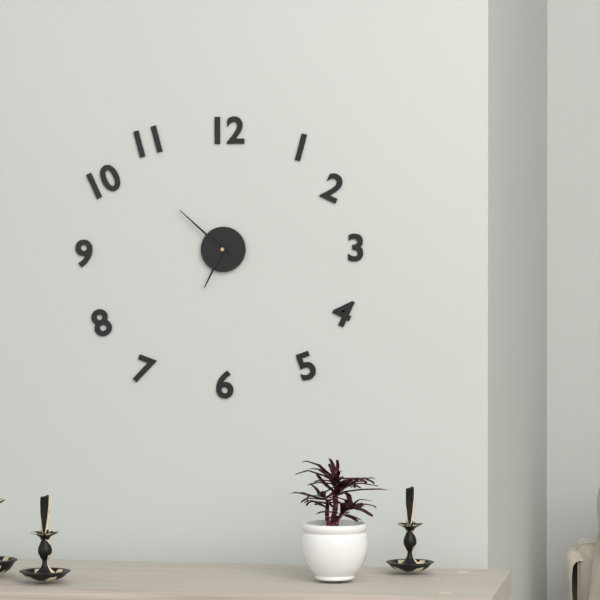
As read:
{"hour": 6, "minute": 52}
